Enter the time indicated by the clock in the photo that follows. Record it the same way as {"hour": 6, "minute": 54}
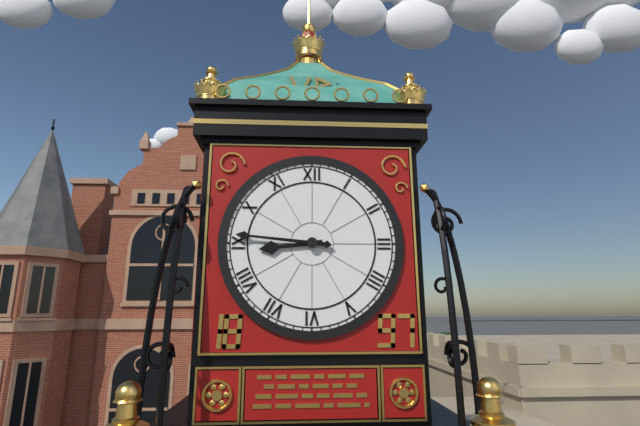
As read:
{"hour": 8, "minute": 46}
